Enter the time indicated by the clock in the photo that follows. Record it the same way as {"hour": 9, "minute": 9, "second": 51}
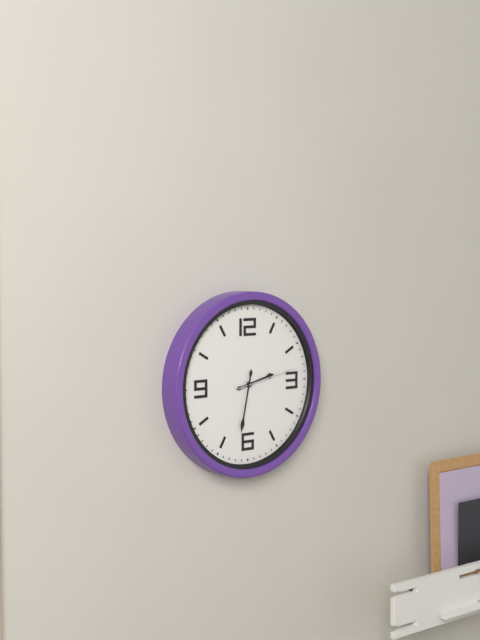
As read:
{"hour": 2, "minute": 32, "second": 13}
